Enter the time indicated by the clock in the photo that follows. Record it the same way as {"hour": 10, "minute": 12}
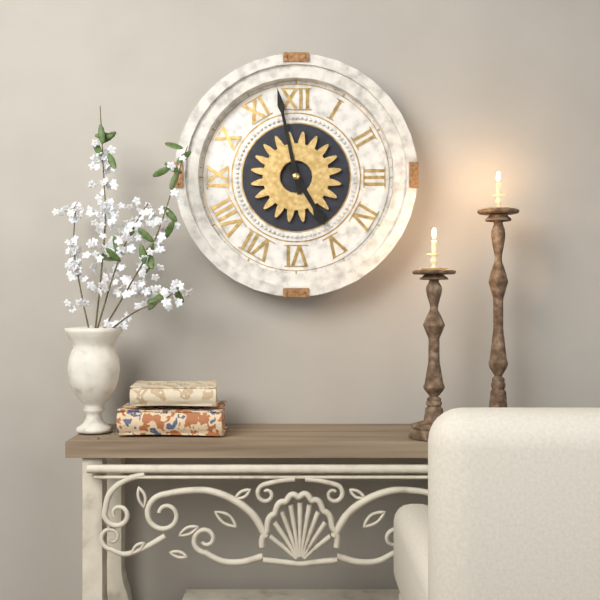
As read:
{"hour": 4, "minute": 58}
